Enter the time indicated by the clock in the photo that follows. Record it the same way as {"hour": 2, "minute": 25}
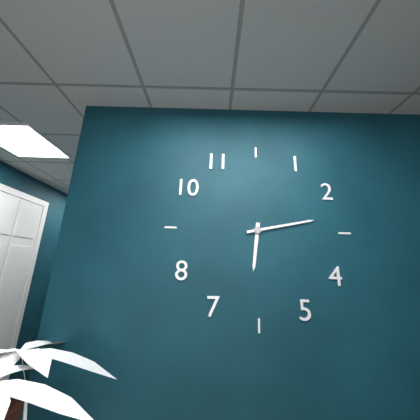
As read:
{"hour": 6, "minute": 13}
